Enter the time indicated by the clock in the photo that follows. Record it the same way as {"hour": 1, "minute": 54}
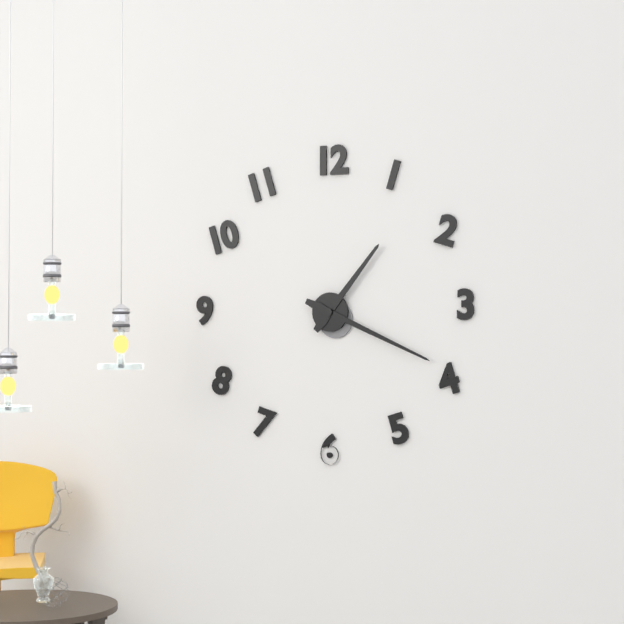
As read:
{"hour": 1, "minute": 19}
